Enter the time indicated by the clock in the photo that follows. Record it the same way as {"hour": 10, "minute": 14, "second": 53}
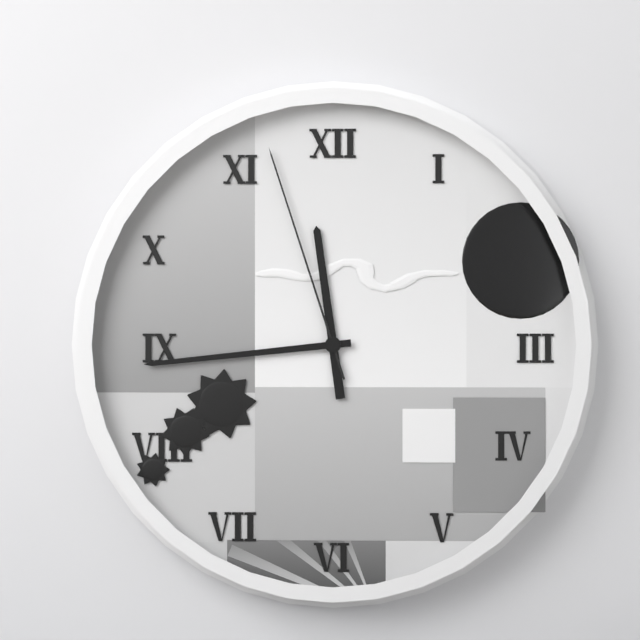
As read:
{"hour": 11, "minute": 44, "second": 57}
